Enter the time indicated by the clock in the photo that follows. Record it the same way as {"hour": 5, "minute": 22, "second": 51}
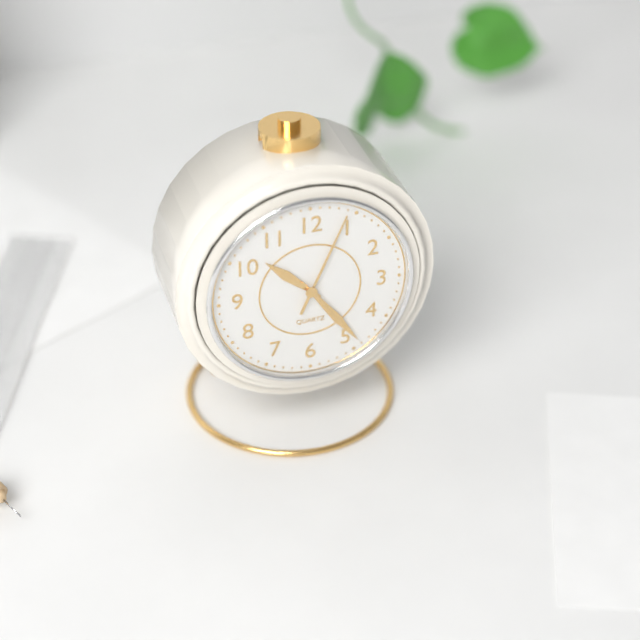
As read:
{"hour": 10, "minute": 24, "second": 4}
